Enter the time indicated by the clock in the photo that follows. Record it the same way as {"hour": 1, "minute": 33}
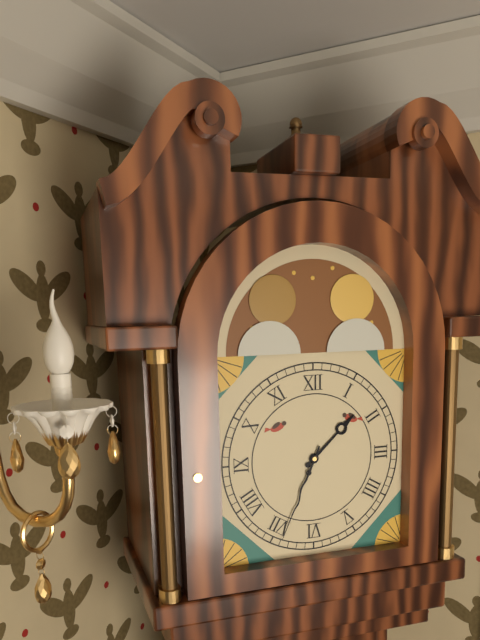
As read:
{"hour": 1, "minute": 34}
